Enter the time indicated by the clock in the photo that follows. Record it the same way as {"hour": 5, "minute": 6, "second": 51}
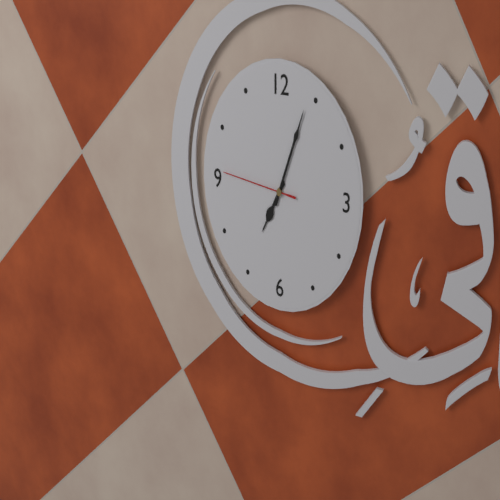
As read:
{"hour": 7, "minute": 4, "second": 46}
